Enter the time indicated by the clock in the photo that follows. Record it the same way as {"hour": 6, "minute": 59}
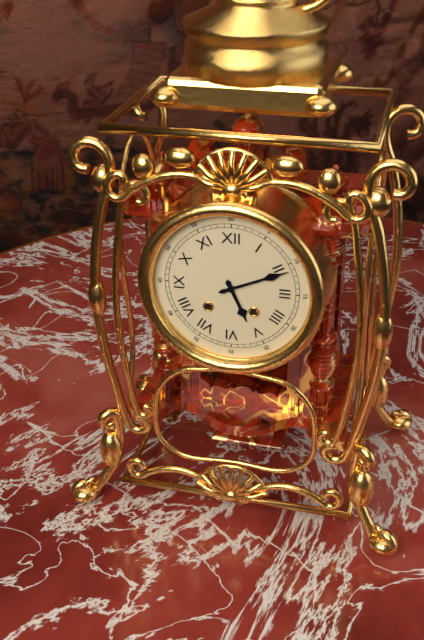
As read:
{"hour": 5, "minute": 11}
